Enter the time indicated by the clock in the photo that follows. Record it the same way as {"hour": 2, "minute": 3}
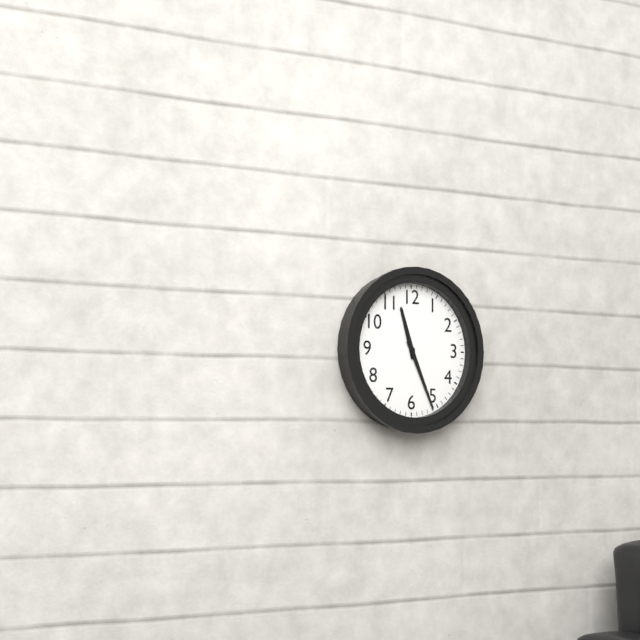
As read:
{"hour": 11, "minute": 26}
